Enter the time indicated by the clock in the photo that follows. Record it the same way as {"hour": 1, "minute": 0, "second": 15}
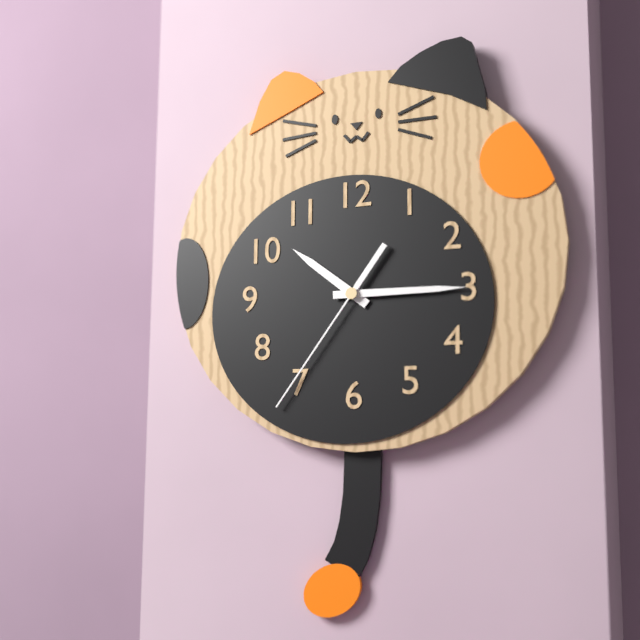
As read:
{"hour": 10, "minute": 15, "second": 36}
